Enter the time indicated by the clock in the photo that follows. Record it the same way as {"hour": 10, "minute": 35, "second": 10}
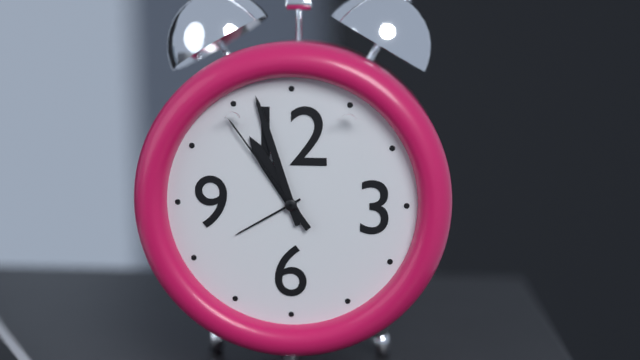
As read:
{"hour": 10, "minute": 57, "second": 54}
